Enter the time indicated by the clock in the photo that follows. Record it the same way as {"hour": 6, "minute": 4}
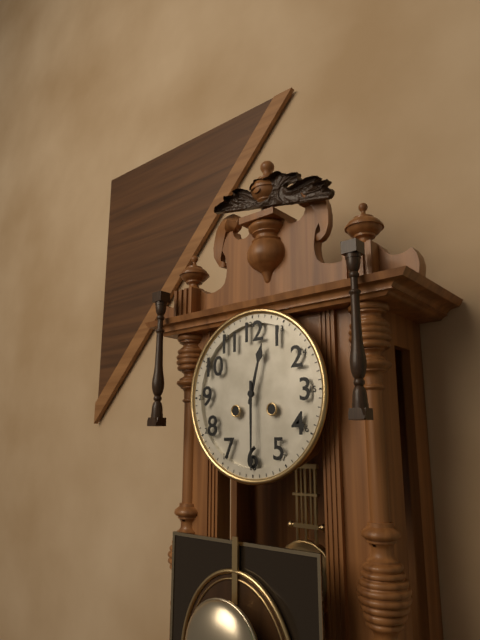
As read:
{"hour": 12, "minute": 30}
